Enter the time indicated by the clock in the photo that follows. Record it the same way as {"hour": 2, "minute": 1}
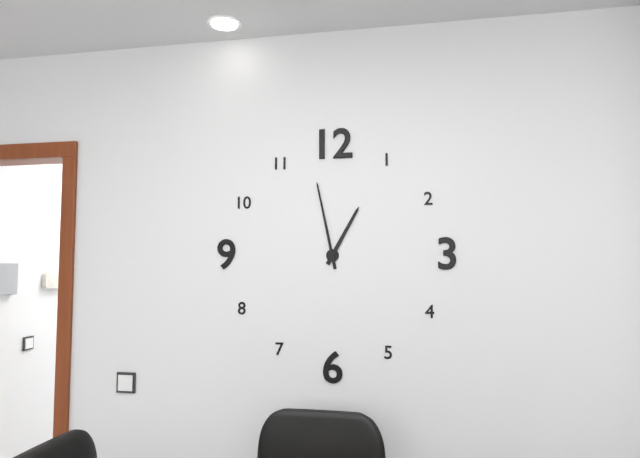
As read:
{"hour": 12, "minute": 58}
